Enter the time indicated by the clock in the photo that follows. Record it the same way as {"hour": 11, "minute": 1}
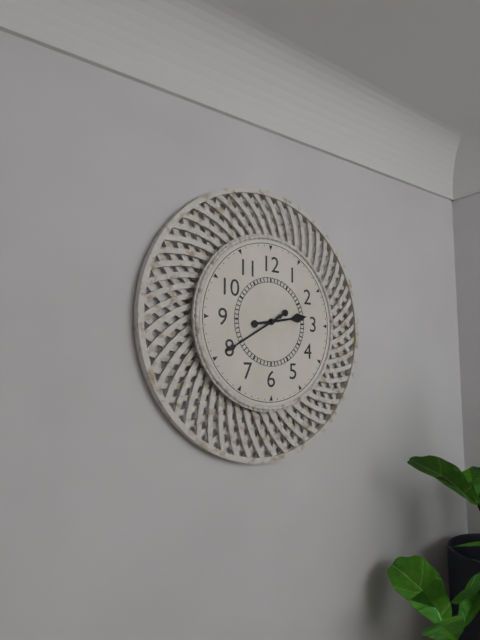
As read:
{"hour": 2, "minute": 40}
